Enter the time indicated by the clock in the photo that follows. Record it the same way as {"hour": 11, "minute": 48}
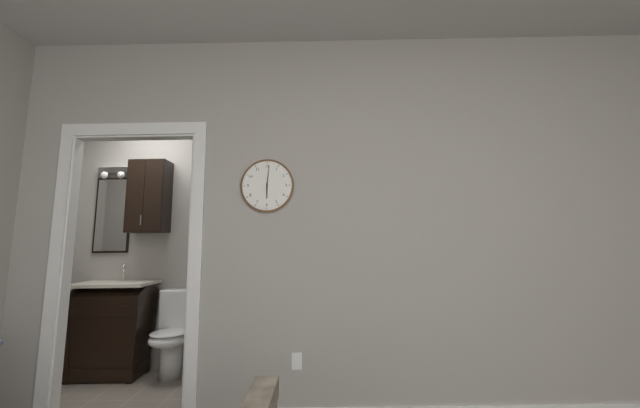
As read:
{"hour": 6, "minute": 1}
